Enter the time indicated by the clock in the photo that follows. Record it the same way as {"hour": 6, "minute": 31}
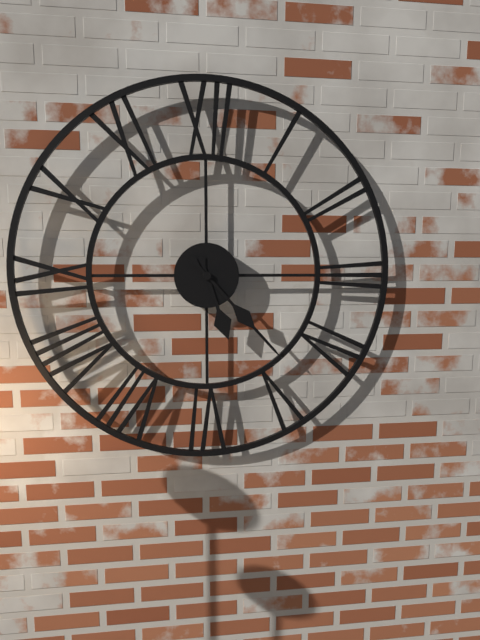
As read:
{"hour": 5, "minute": 23}
